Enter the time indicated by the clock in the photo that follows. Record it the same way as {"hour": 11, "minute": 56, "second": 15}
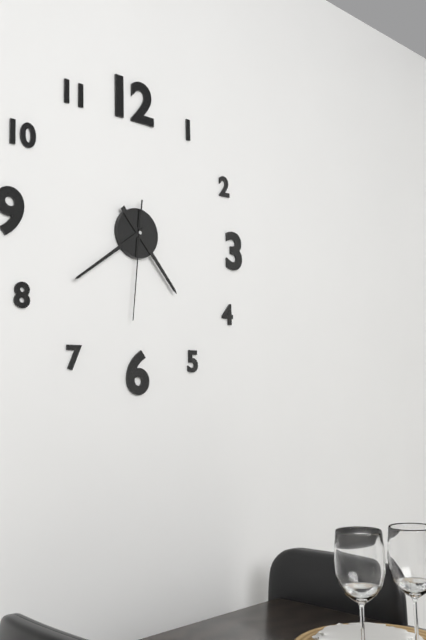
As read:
{"hour": 4, "minute": 39, "second": 31}
